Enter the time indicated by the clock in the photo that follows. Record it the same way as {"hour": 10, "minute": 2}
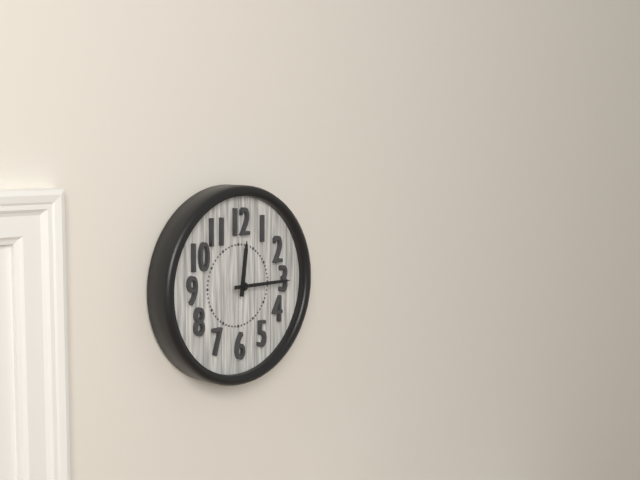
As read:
{"hour": 12, "minute": 15}
